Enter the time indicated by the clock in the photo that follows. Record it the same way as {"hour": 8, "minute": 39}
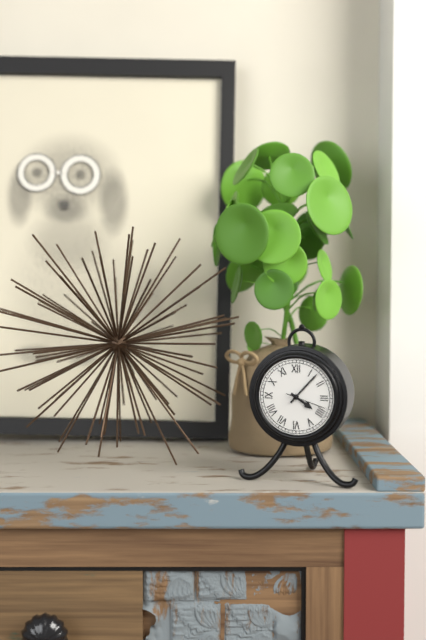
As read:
{"hour": 4, "minute": 7}
